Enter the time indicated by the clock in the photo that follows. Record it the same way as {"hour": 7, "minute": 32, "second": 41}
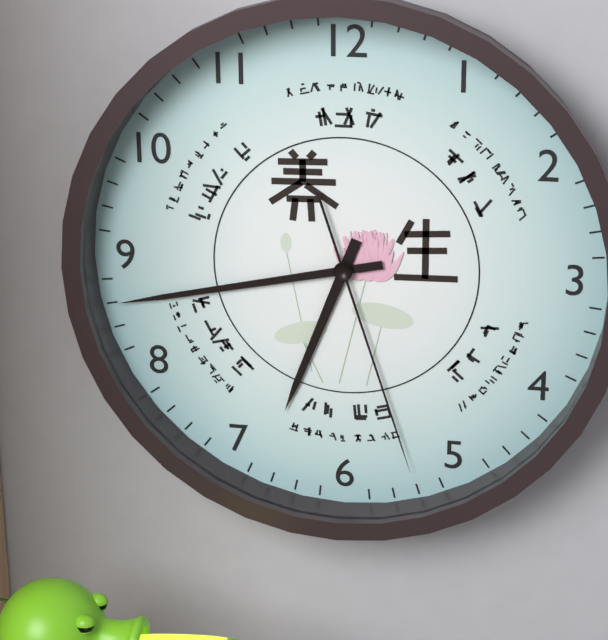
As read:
{"hour": 6, "minute": 43, "second": 27}
